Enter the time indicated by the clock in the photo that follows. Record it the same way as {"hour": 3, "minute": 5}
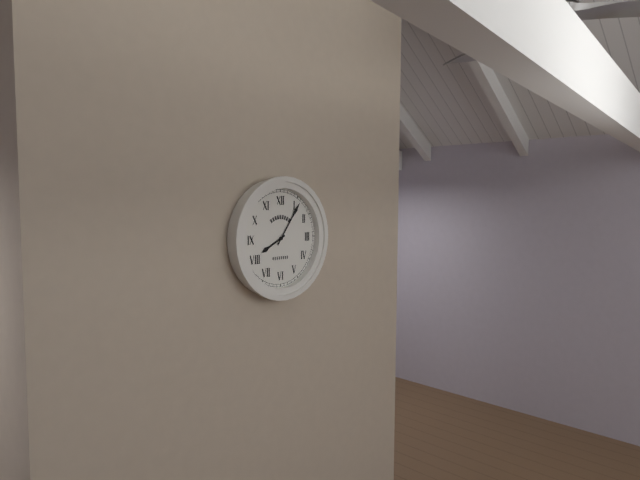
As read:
{"hour": 8, "minute": 6}
